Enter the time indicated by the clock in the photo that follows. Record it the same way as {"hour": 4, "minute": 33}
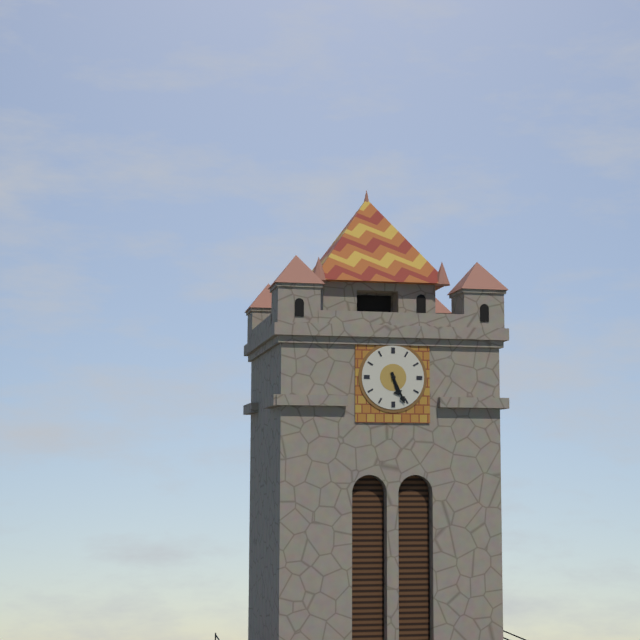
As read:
{"hour": 5, "minute": 26}
